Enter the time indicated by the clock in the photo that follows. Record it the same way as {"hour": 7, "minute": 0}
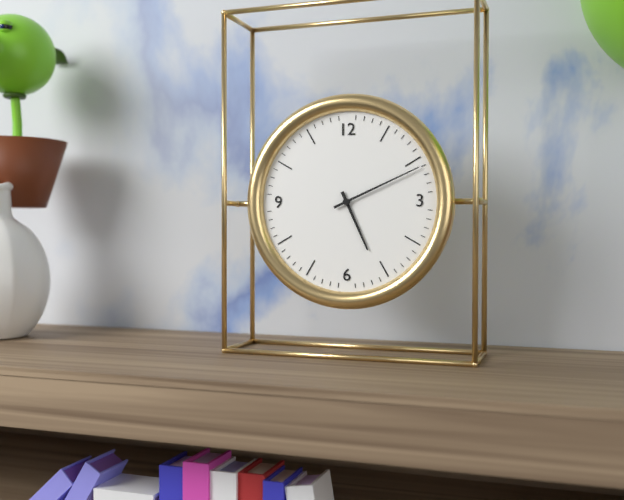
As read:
{"hour": 5, "minute": 11}
